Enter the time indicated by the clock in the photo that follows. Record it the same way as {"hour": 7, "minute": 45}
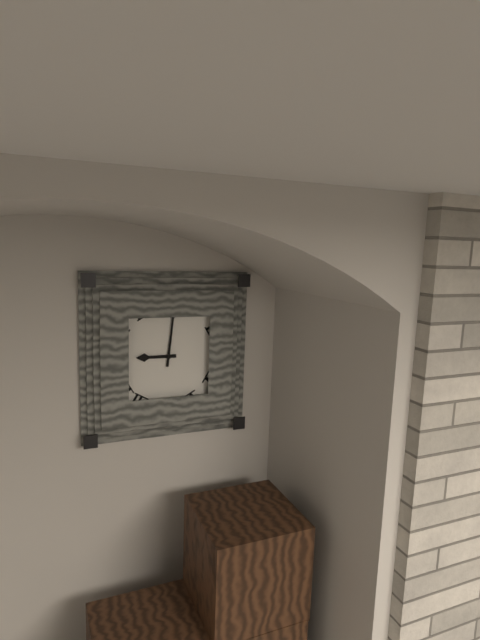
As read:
{"hour": 9, "minute": 1}
